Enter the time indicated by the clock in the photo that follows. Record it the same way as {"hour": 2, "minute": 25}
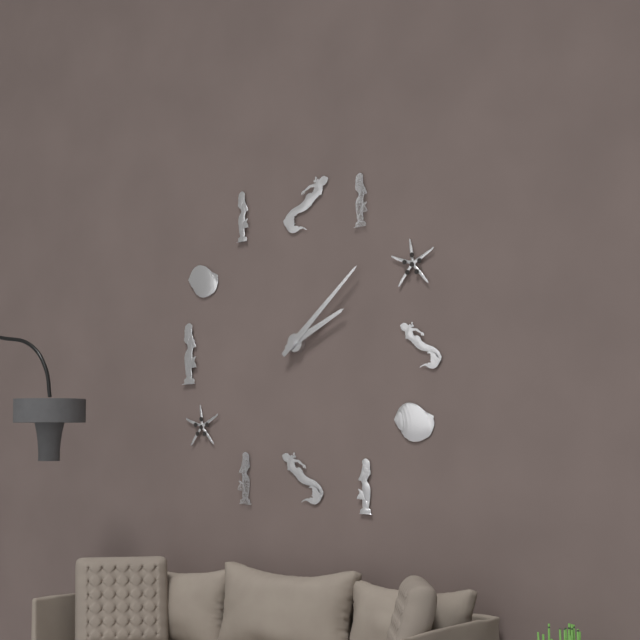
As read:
{"hour": 2, "minute": 8}
